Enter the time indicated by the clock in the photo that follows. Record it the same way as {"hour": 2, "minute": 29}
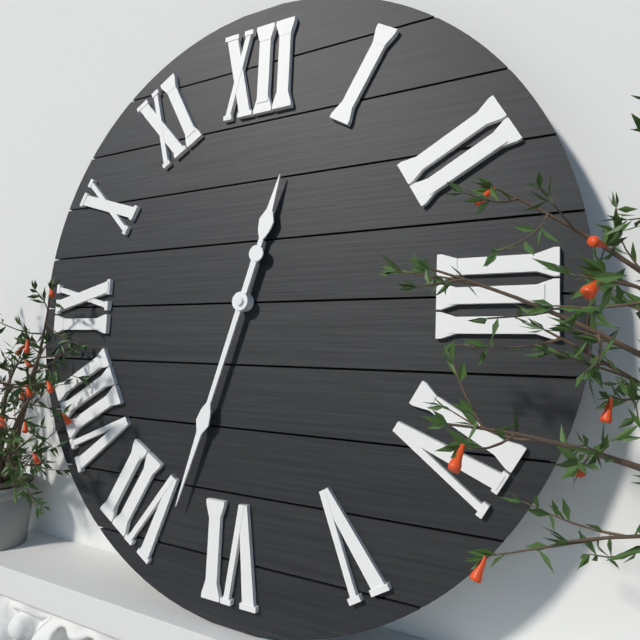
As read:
{"hour": 12, "minute": 33}
